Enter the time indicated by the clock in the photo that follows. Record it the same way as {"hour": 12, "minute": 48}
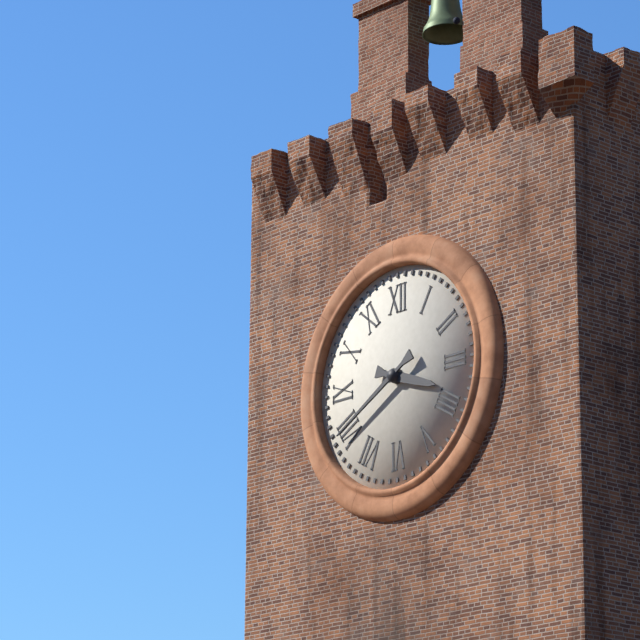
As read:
{"hour": 3, "minute": 40}
